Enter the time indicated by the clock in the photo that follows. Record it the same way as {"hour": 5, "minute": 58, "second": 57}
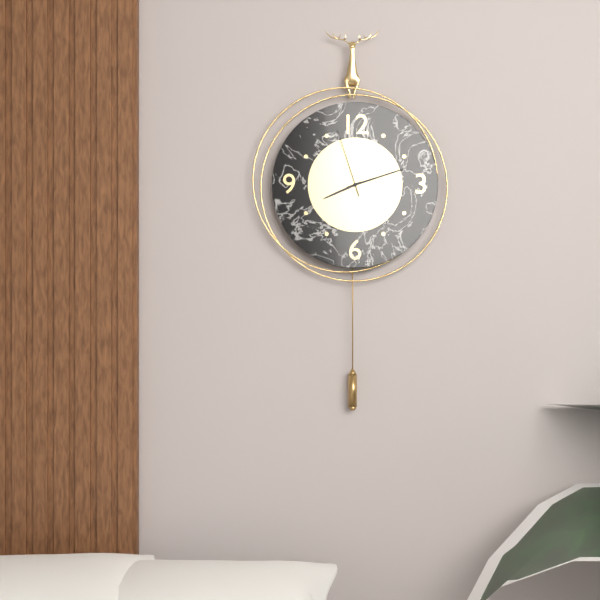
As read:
{"hour": 8, "minute": 12, "second": 57}
